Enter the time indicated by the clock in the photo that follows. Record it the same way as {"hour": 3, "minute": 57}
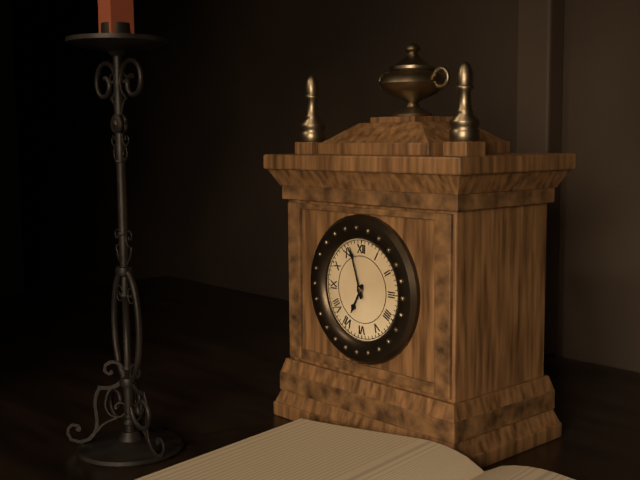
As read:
{"hour": 6, "minute": 57}
